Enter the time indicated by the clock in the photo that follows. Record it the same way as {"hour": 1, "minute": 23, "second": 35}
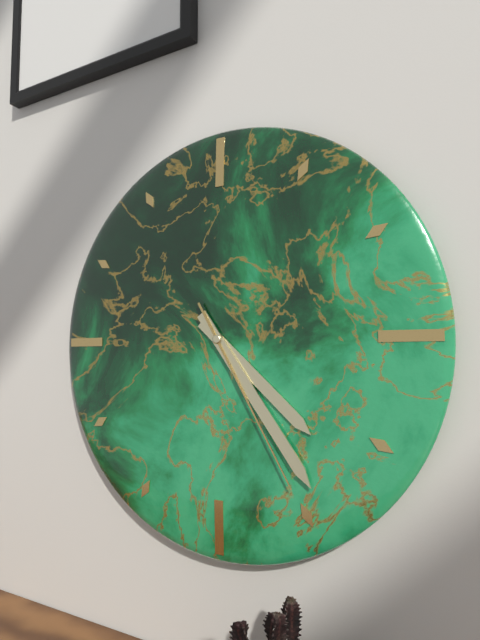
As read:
{"hour": 4, "minute": 24, "second": 25}
